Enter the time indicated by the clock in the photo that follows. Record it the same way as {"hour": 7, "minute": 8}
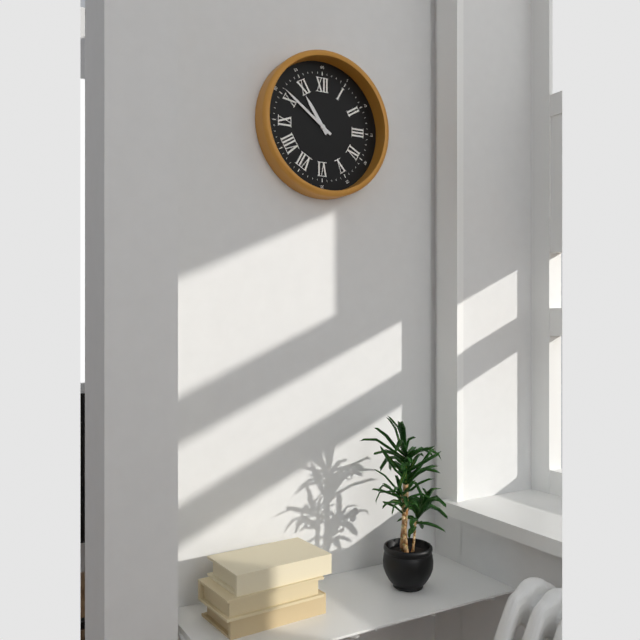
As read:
{"hour": 10, "minute": 51}
